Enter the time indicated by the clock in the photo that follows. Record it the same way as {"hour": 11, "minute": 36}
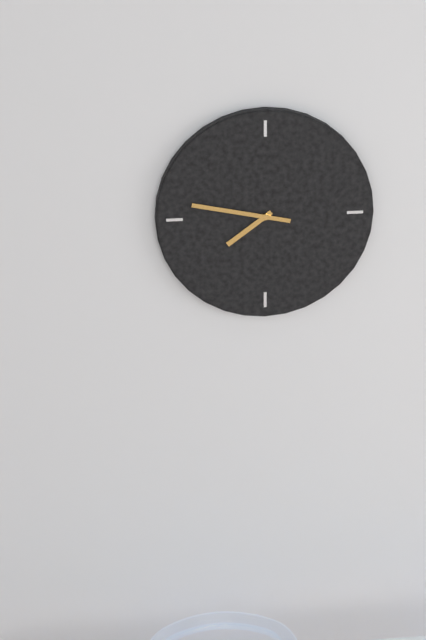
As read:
{"hour": 7, "minute": 47}
